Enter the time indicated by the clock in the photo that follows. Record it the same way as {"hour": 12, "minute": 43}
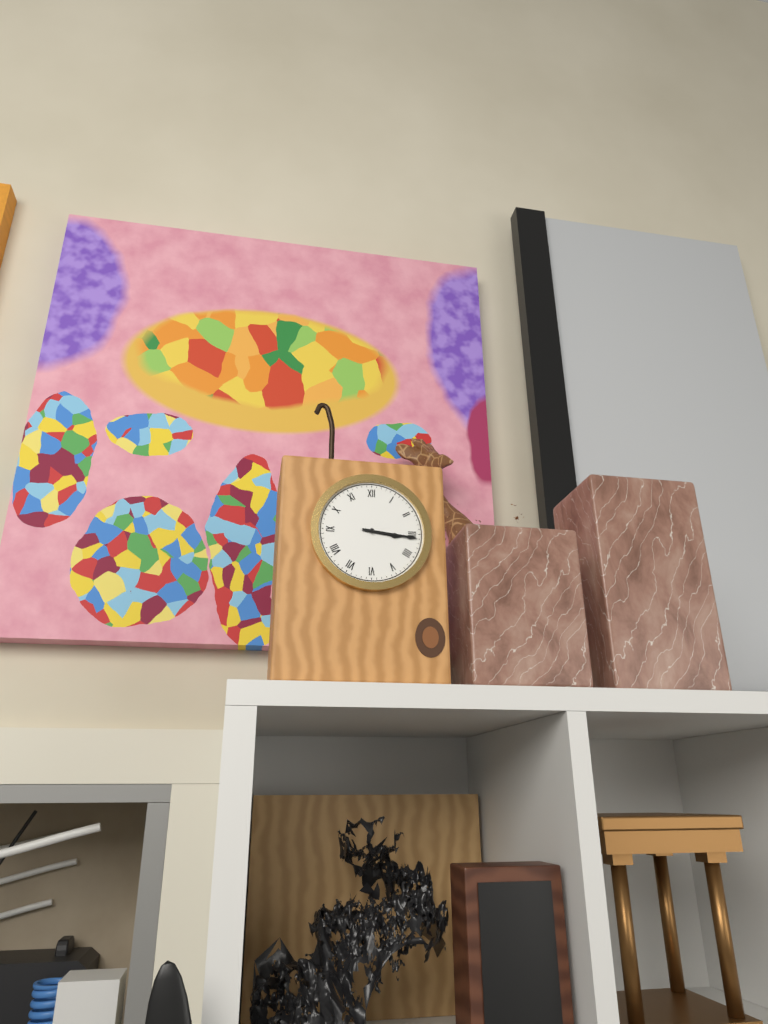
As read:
{"hour": 3, "minute": 16}
